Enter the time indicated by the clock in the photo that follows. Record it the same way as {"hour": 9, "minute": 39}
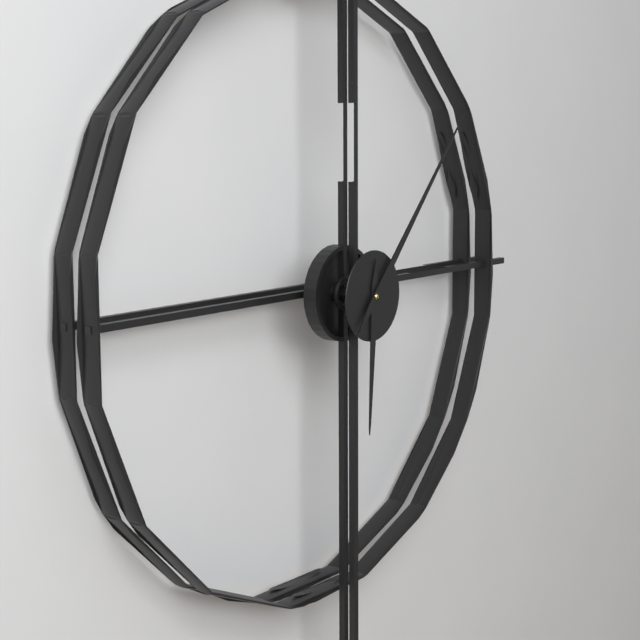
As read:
{"hour": 6, "minute": 7}
